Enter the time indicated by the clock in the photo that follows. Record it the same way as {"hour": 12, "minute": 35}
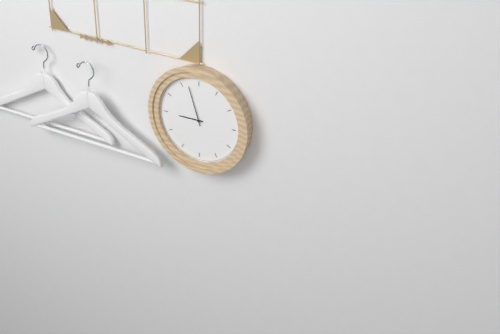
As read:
{"hour": 8, "minute": 57}
